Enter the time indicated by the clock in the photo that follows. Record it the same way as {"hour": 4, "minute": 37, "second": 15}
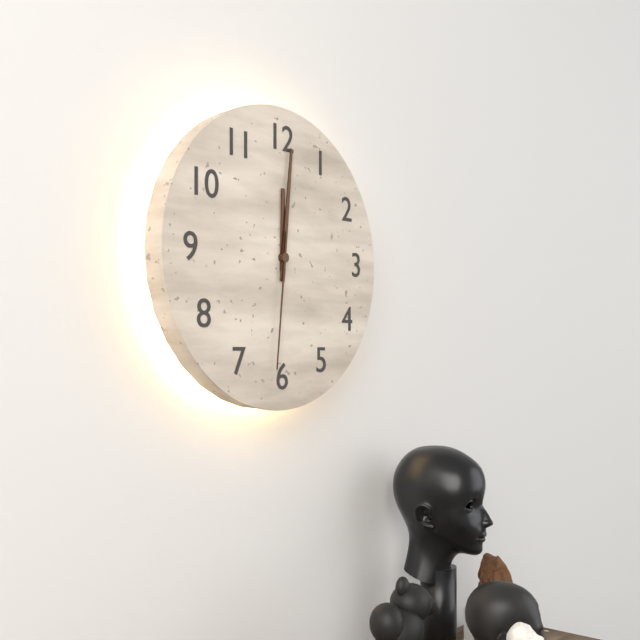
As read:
{"hour": 12, "minute": 1, "second": 31}
